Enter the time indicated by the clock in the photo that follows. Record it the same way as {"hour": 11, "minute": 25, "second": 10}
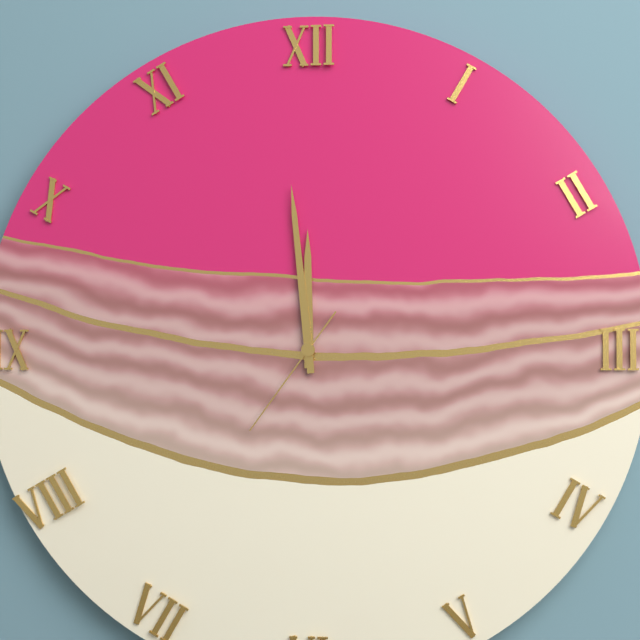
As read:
{"hour": 11, "minute": 59, "second": 36}
